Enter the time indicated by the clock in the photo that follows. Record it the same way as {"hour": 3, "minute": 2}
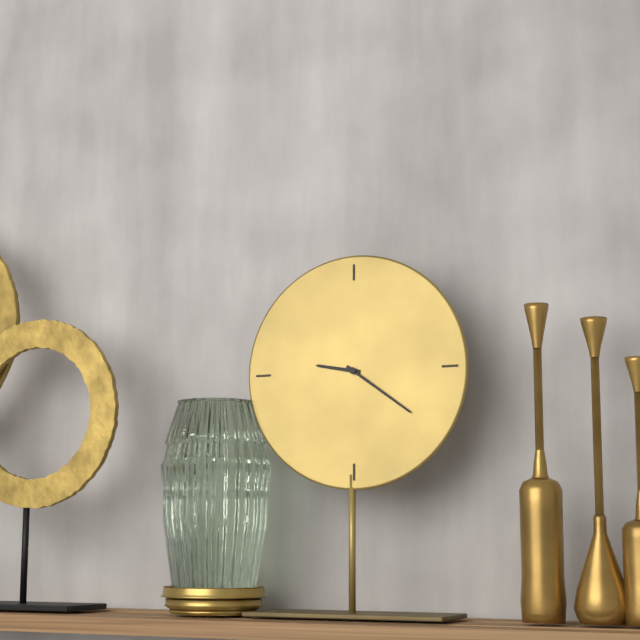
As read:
{"hour": 9, "minute": 21}
